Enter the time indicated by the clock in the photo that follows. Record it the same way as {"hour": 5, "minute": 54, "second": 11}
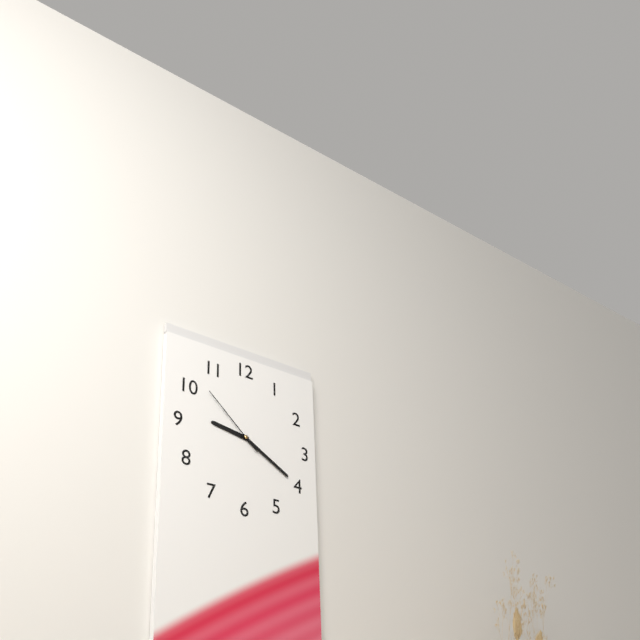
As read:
{"hour": 9, "minute": 20, "second": 52}
